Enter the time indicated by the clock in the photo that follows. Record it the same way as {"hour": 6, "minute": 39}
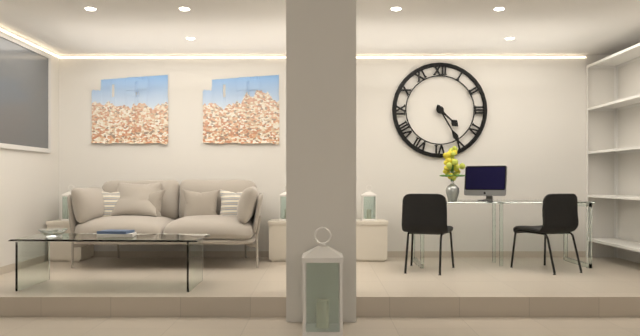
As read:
{"hour": 4, "minute": 25}
